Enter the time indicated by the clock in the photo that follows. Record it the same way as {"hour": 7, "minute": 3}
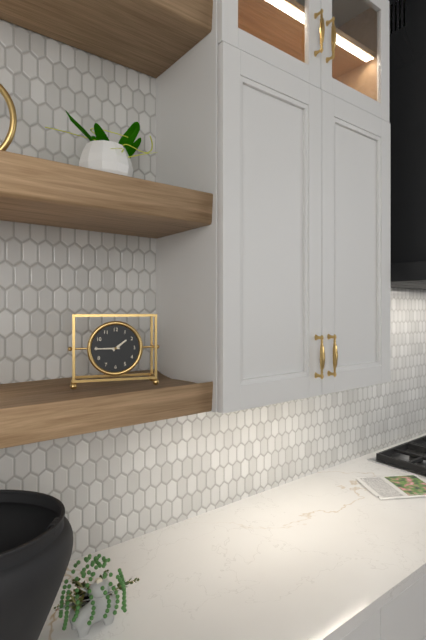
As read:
{"hour": 1, "minute": 45}
